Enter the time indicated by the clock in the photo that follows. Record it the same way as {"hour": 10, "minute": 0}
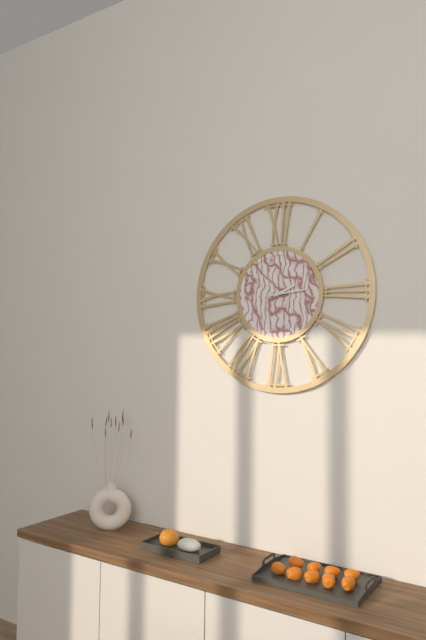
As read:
{"hour": 2, "minute": 14}
